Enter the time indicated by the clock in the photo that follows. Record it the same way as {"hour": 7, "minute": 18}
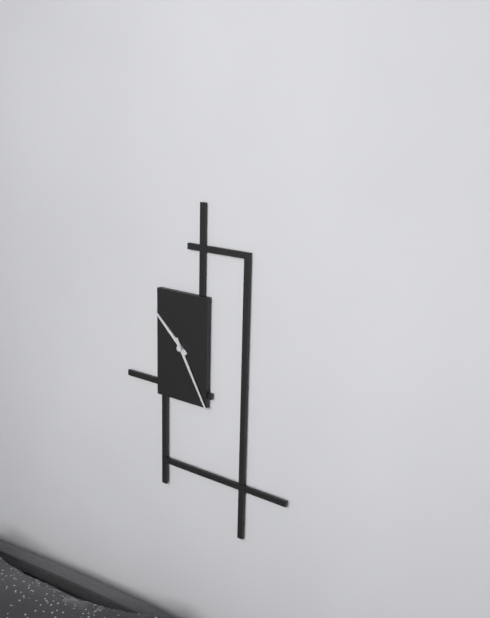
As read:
{"hour": 10, "minute": 25}
